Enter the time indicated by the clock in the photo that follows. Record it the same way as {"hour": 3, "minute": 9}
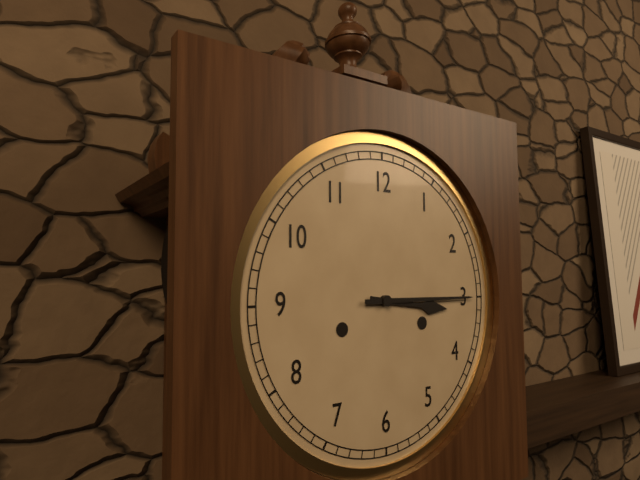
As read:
{"hour": 3, "minute": 15}
